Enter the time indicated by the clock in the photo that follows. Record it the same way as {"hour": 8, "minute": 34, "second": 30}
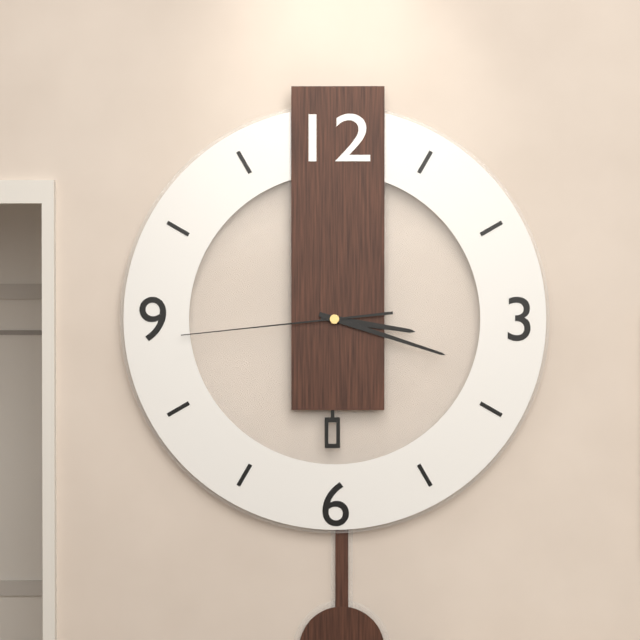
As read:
{"hour": 3, "minute": 18, "second": 44}
